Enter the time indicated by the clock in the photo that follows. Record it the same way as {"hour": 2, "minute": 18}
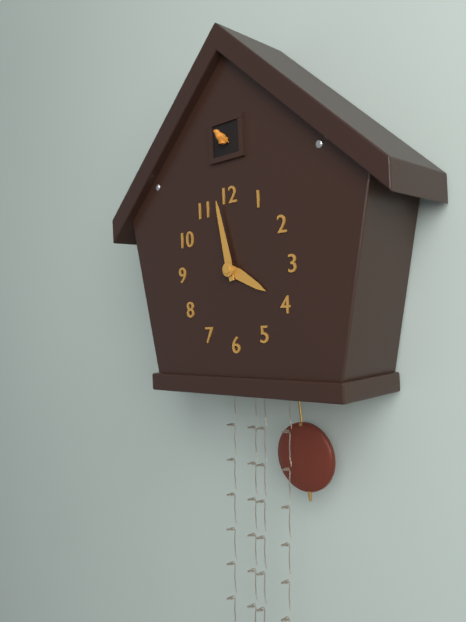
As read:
{"hour": 3, "minute": 58}
